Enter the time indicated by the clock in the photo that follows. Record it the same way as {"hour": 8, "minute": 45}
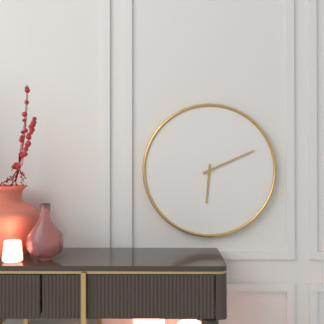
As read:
{"hour": 6, "minute": 11}
